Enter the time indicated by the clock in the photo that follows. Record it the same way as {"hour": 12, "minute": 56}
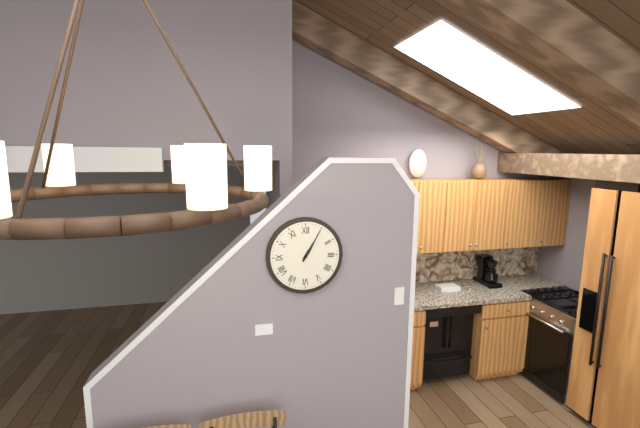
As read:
{"hour": 1, "minute": 5}
